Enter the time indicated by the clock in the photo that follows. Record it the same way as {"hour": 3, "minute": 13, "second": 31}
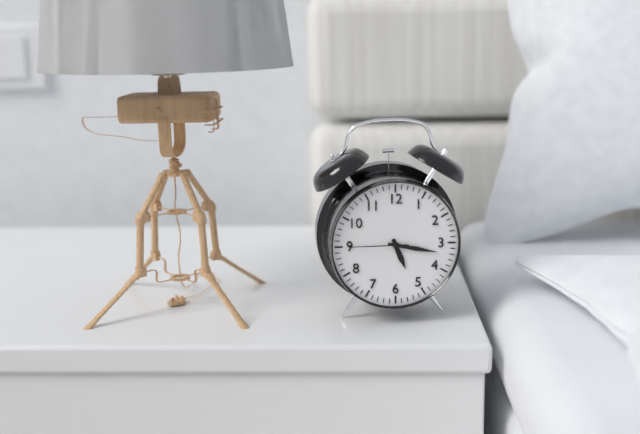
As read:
{"hour": 5, "minute": 17, "second": 45}
